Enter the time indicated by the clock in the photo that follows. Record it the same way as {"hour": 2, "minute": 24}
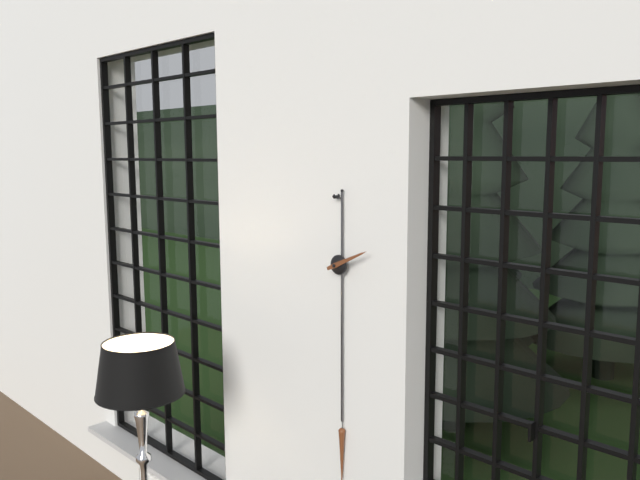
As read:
{"hour": 2, "minute": 11}
